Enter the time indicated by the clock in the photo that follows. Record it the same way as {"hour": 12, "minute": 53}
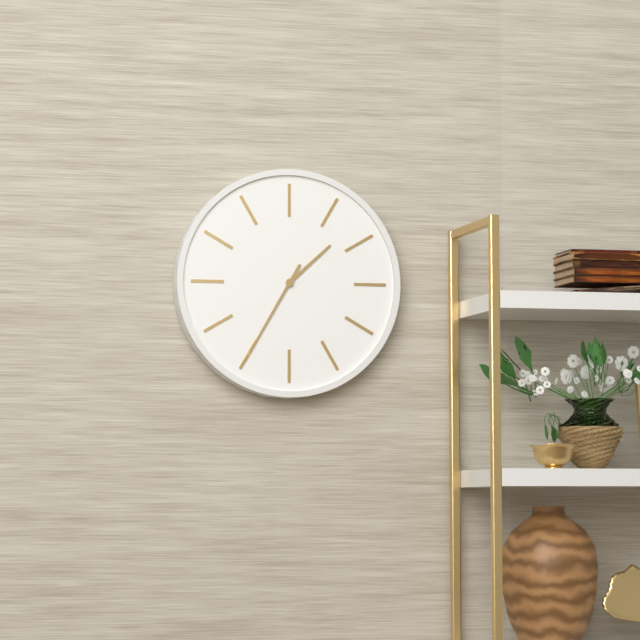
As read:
{"hour": 1, "minute": 35}
